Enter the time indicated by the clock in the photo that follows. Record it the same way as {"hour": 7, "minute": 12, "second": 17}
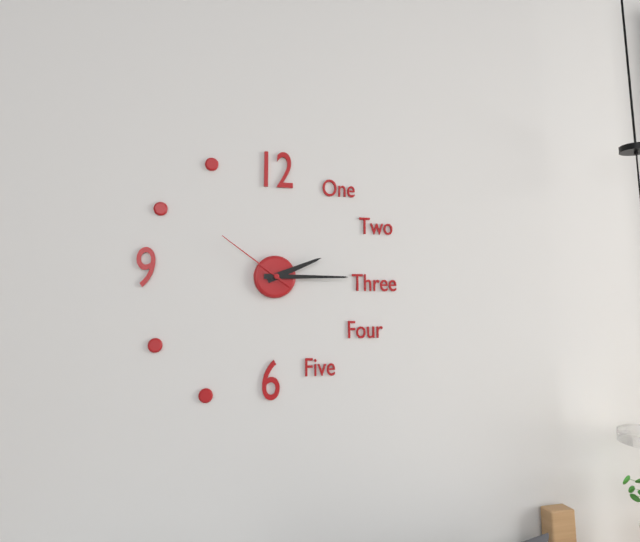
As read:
{"hour": 2, "minute": 15, "second": 51}
